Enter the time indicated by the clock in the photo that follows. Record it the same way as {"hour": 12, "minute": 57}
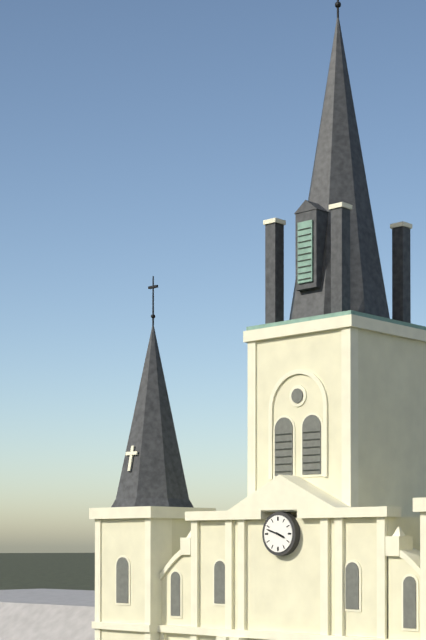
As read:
{"hour": 3, "minute": 48}
